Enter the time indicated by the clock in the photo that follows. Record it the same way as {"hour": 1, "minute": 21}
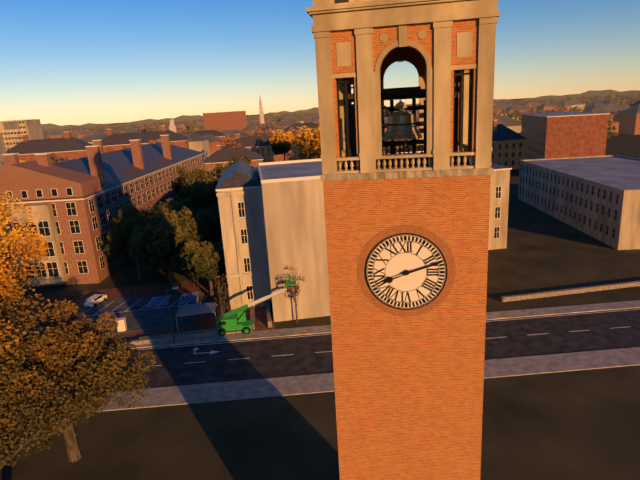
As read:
{"hour": 8, "minute": 12}
